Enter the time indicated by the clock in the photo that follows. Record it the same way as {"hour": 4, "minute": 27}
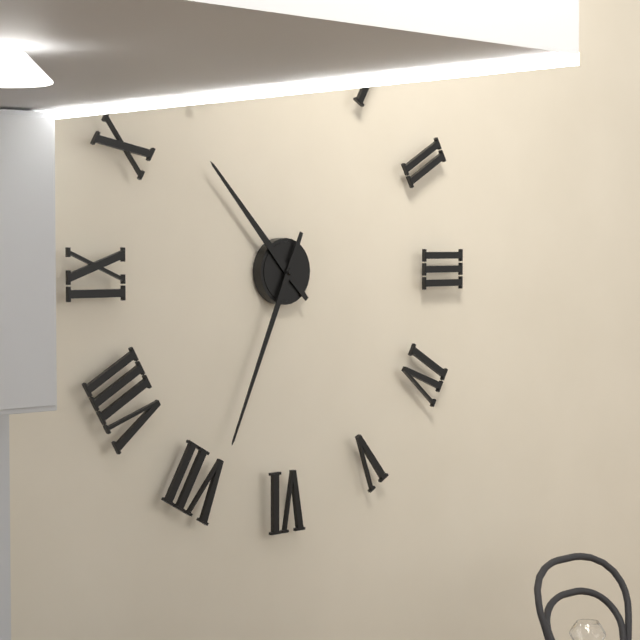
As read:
{"hour": 10, "minute": 34}
